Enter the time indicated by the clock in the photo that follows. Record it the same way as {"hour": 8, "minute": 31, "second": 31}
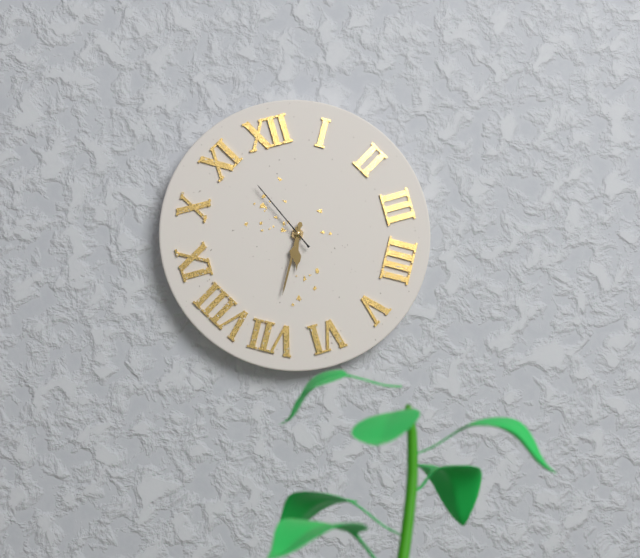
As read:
{"hour": 6, "minute": 35, "second": 56}
